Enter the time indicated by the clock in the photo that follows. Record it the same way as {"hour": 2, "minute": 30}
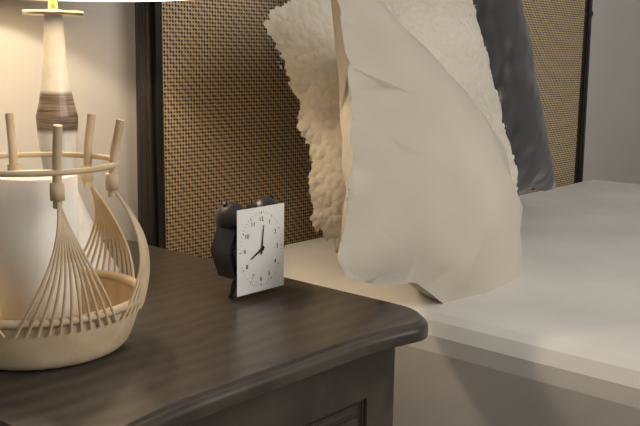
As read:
{"hour": 8, "minute": 1}
